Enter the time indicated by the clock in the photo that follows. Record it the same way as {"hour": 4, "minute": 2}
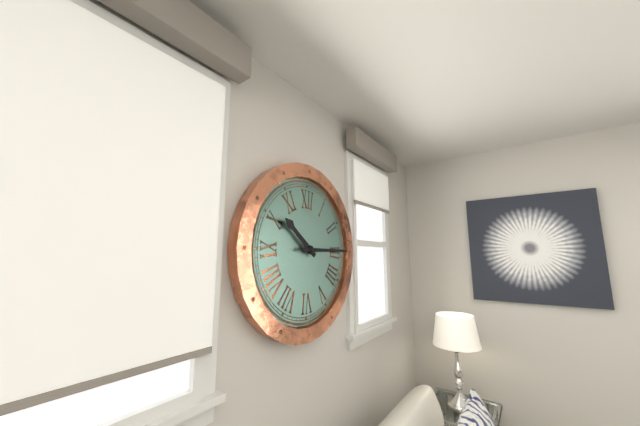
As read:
{"hour": 10, "minute": 15}
